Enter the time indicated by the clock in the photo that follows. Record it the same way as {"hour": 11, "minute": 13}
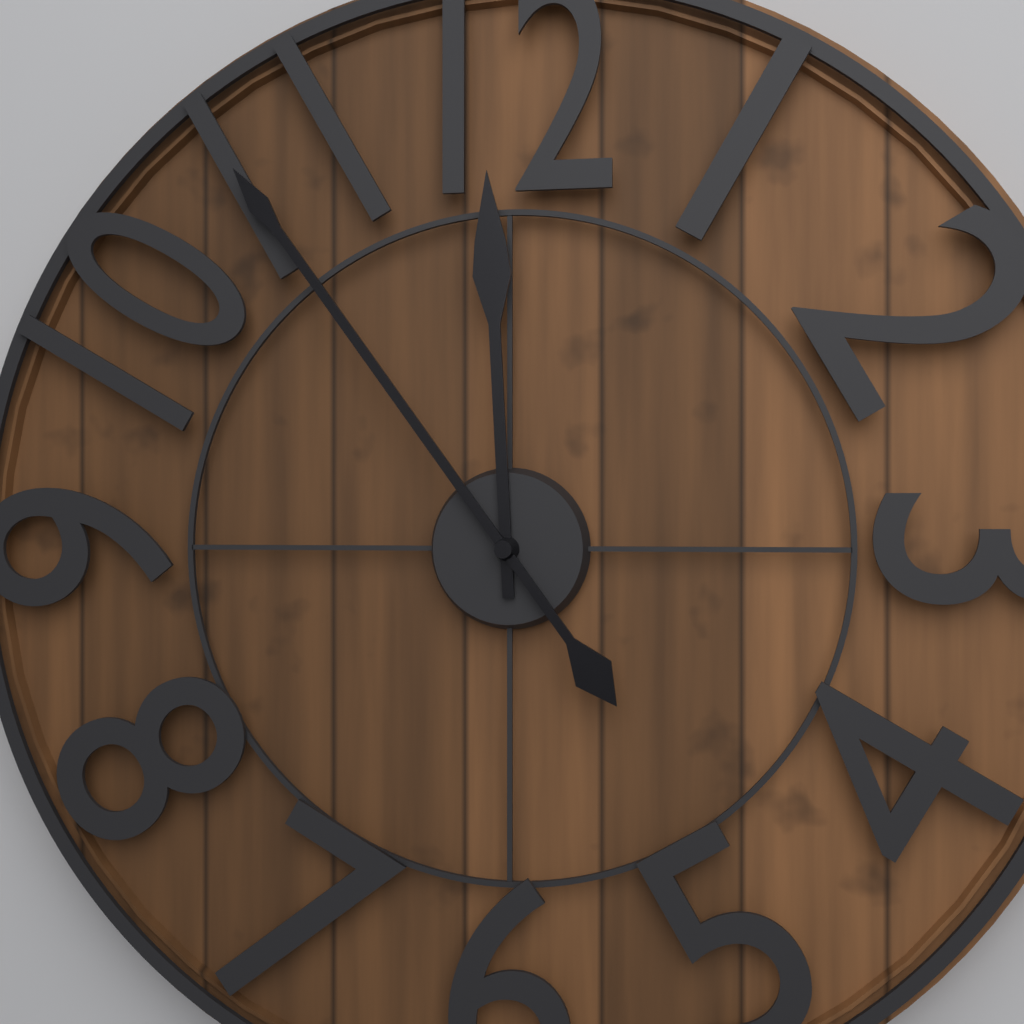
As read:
{"hour": 11, "minute": 54}
